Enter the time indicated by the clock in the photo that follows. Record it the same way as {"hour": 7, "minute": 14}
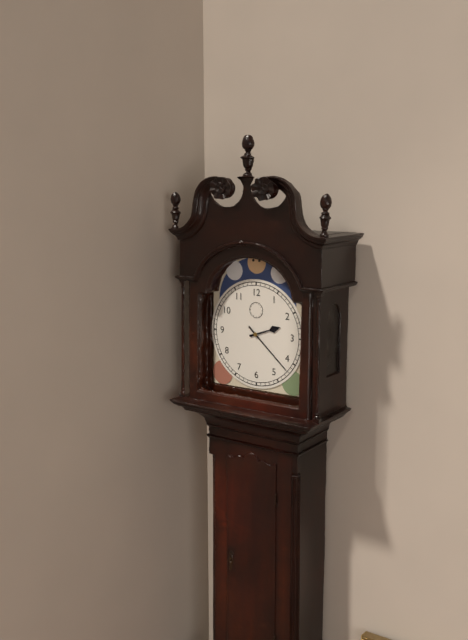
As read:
{"hour": 2, "minute": 22}
